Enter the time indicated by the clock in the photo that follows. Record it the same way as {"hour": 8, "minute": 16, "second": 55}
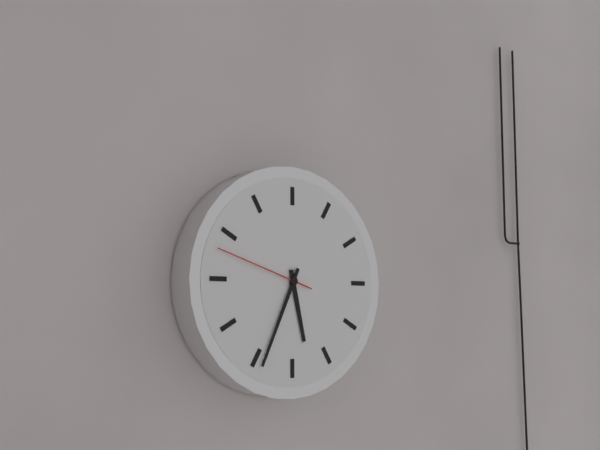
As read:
{"hour": 5, "minute": 34, "second": 48}
